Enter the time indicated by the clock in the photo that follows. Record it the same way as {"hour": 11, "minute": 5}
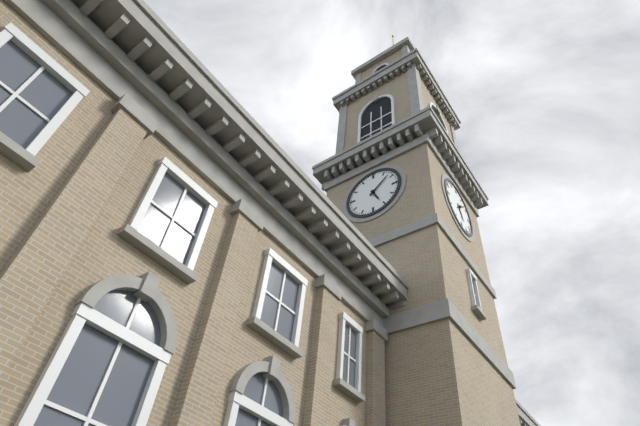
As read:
{"hour": 5, "minute": 8}
